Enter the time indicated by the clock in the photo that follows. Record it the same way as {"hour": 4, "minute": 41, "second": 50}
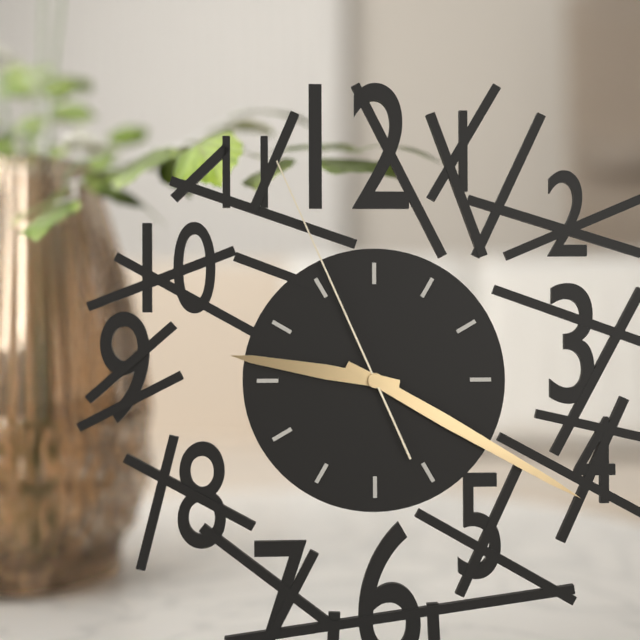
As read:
{"hour": 9, "minute": 20, "second": 56}
